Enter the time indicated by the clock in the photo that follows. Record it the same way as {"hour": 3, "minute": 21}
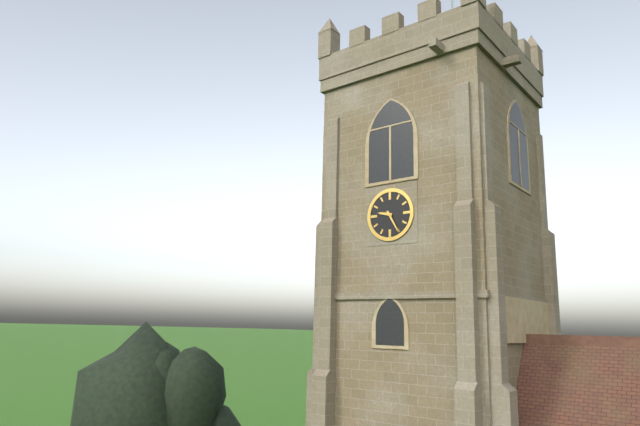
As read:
{"hour": 9, "minute": 25}
